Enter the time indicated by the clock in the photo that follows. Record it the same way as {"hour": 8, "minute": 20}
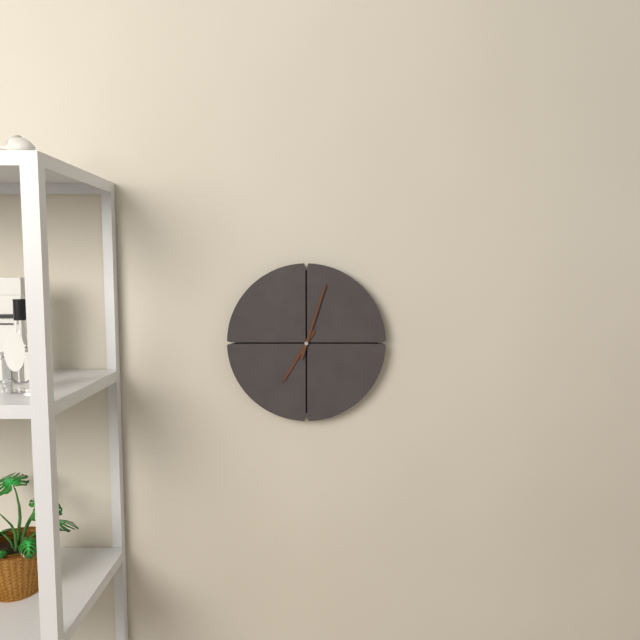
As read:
{"hour": 7, "minute": 3}
